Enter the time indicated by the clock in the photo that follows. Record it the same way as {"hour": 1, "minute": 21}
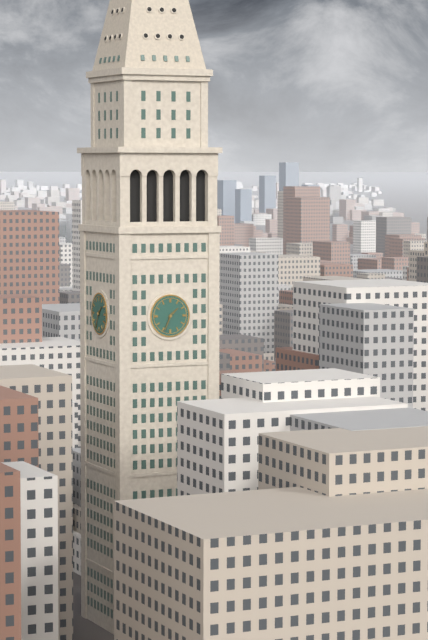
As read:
{"hour": 1, "minute": 34}
